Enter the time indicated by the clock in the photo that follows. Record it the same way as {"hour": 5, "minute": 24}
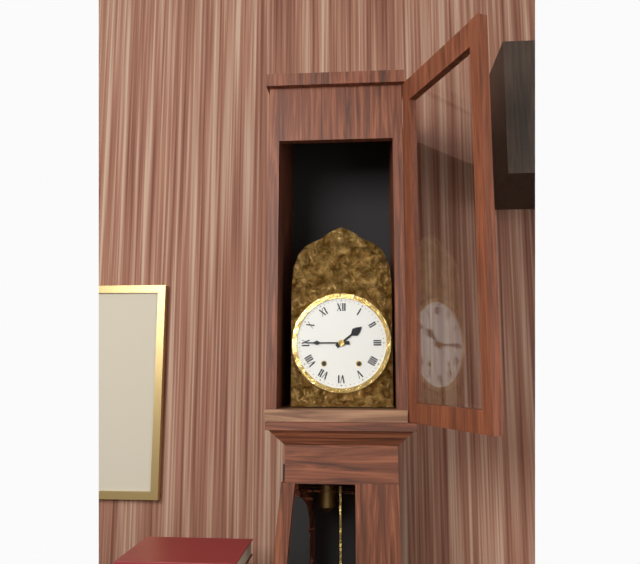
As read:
{"hour": 1, "minute": 45}
